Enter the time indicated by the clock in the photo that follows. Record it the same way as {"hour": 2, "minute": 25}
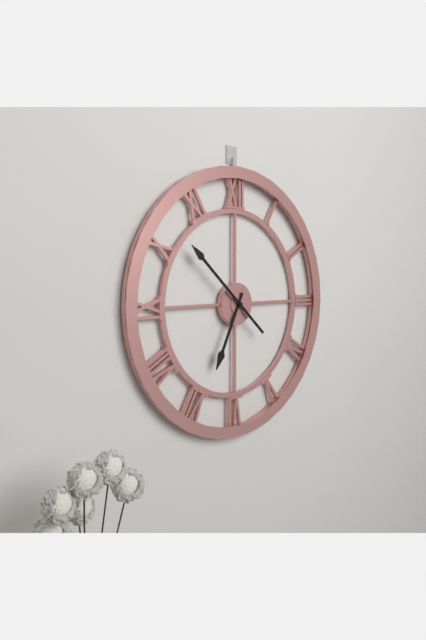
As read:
{"hour": 6, "minute": 52}
